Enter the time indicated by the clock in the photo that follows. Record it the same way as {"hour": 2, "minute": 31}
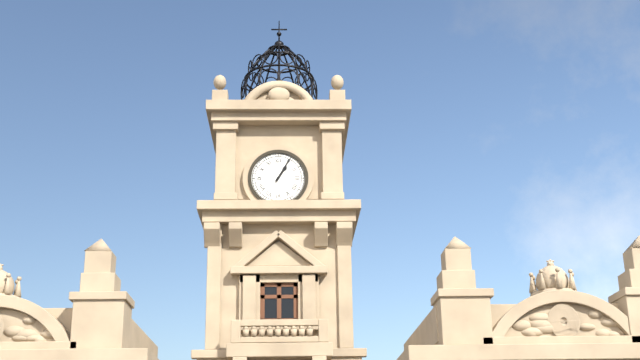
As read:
{"hour": 1, "minute": 5}
